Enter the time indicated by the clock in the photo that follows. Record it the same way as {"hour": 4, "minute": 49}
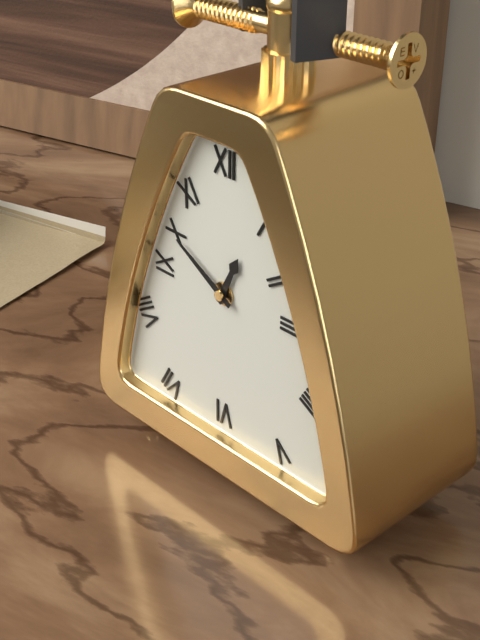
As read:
{"hour": 12, "minute": 50}
